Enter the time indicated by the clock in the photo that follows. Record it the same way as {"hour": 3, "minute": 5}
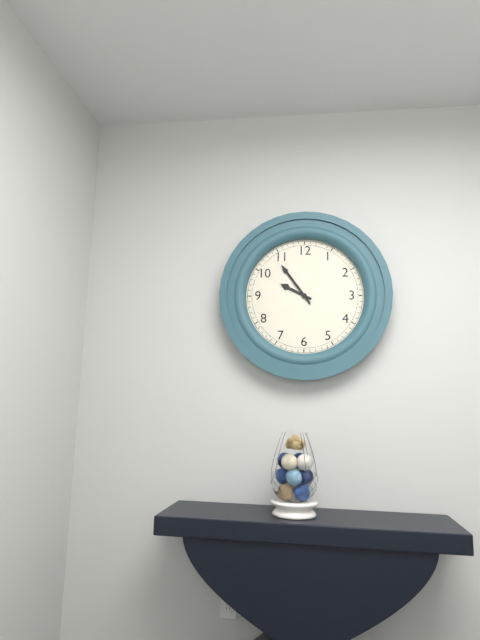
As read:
{"hour": 9, "minute": 54}
